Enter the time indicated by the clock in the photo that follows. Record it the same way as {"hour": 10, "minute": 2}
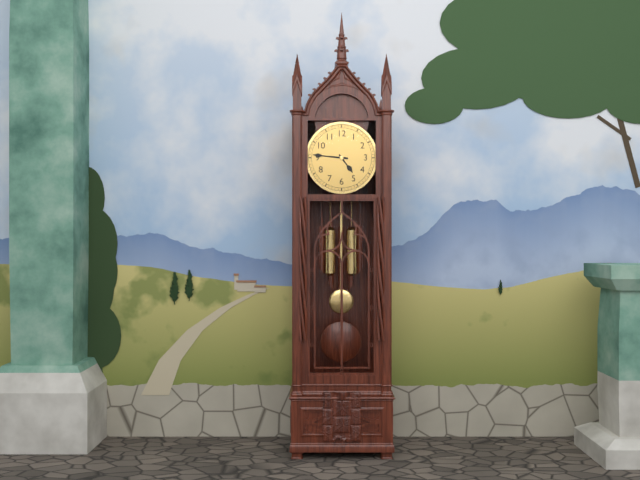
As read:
{"hour": 4, "minute": 46}
